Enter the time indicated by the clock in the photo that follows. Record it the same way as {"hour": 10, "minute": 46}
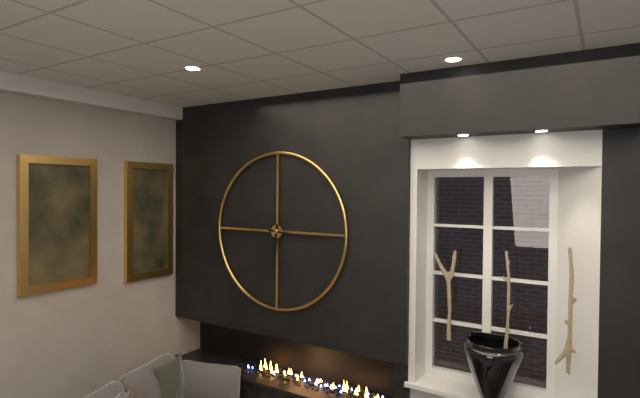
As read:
{"hour": 6, "minute": 16}
